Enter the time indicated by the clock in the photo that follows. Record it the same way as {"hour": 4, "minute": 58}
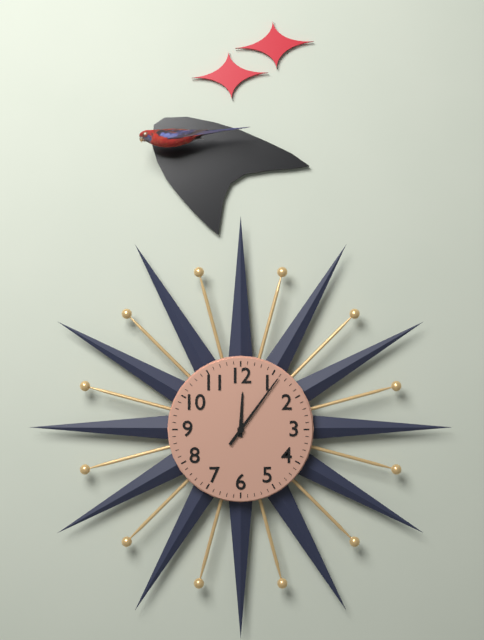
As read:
{"hour": 12, "minute": 6}
